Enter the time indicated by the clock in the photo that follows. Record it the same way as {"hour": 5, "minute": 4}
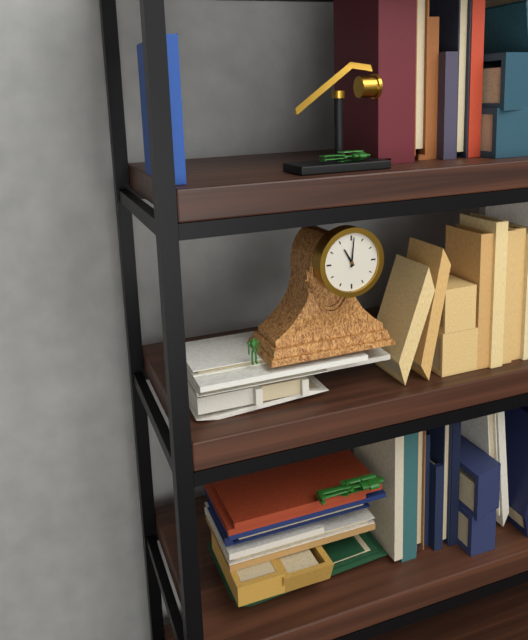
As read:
{"hour": 11, "minute": 1}
